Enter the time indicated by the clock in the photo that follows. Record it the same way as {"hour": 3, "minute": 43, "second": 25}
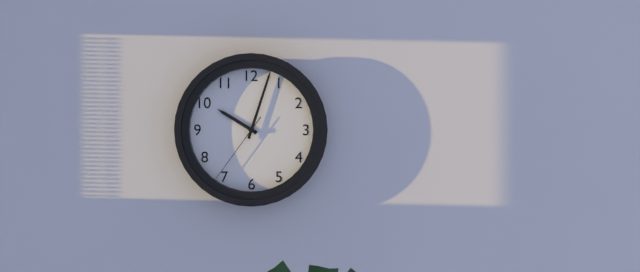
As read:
{"hour": 10, "minute": 3, "second": 36}
